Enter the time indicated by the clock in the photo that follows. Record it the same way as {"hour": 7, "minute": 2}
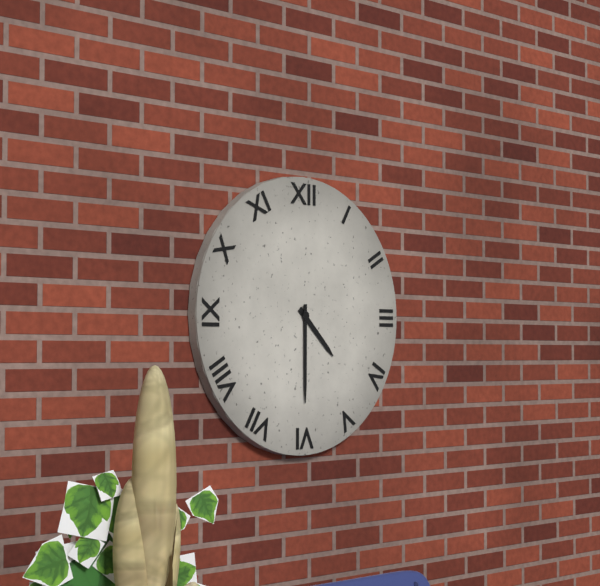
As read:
{"hour": 4, "minute": 30}
